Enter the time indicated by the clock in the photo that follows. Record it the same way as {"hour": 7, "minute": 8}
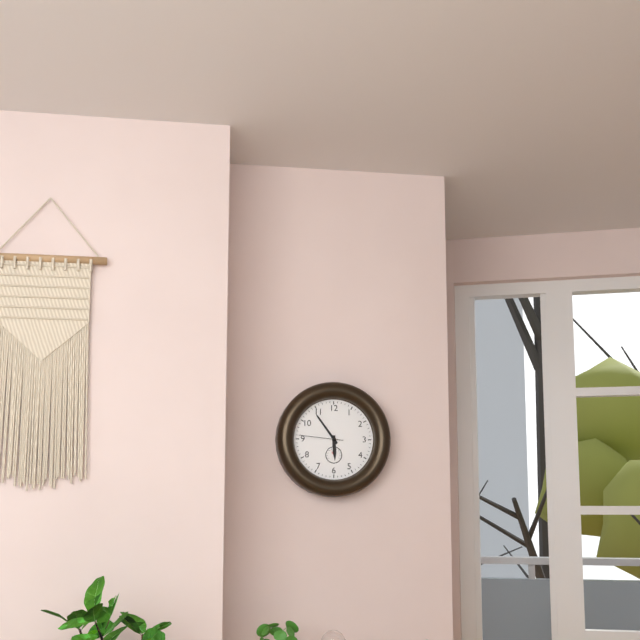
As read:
{"hour": 5, "minute": 54}
